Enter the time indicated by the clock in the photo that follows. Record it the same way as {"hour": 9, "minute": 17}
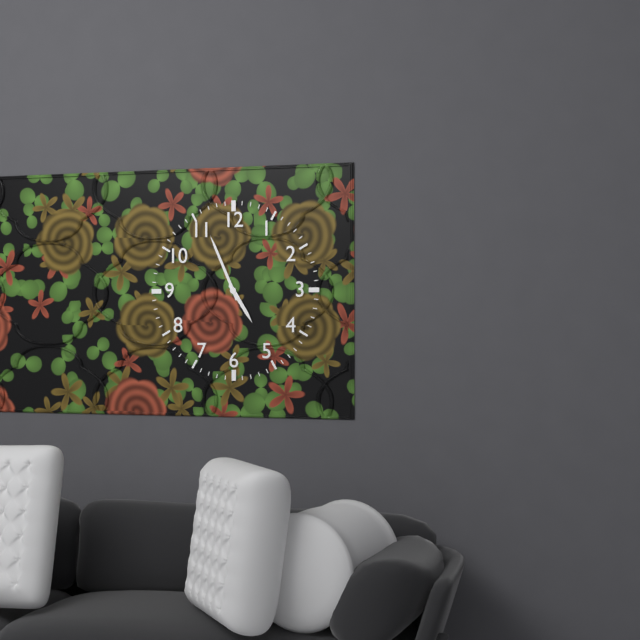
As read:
{"hour": 4, "minute": 56}
